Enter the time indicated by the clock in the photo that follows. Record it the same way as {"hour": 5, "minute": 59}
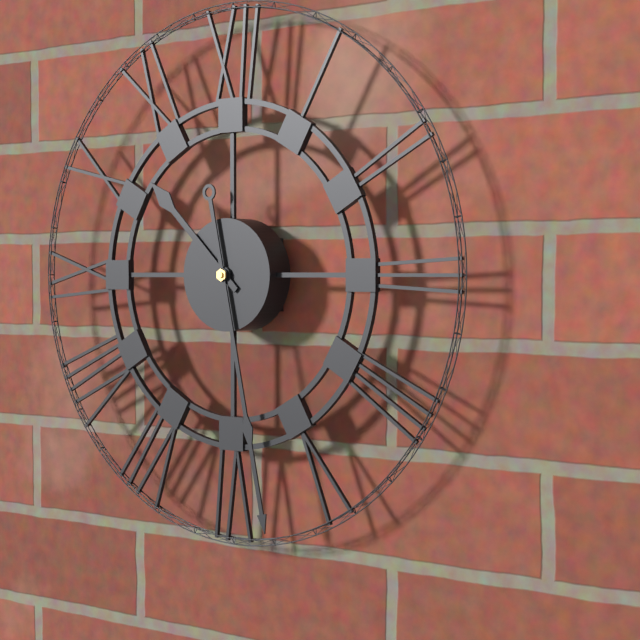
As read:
{"hour": 10, "minute": 28}
